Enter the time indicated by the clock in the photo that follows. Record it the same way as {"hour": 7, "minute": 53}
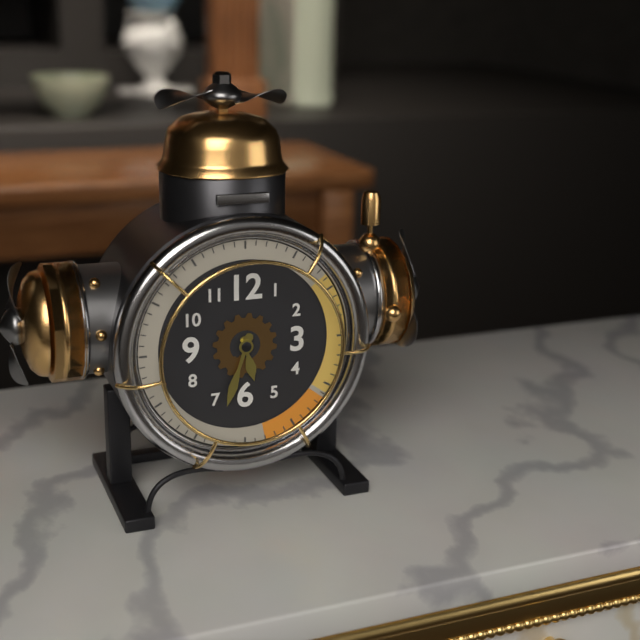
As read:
{"hour": 5, "minute": 33}
